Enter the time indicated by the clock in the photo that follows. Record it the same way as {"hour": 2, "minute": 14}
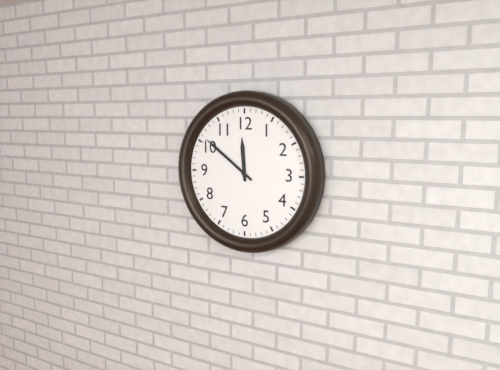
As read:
{"hour": 11, "minute": 51}
